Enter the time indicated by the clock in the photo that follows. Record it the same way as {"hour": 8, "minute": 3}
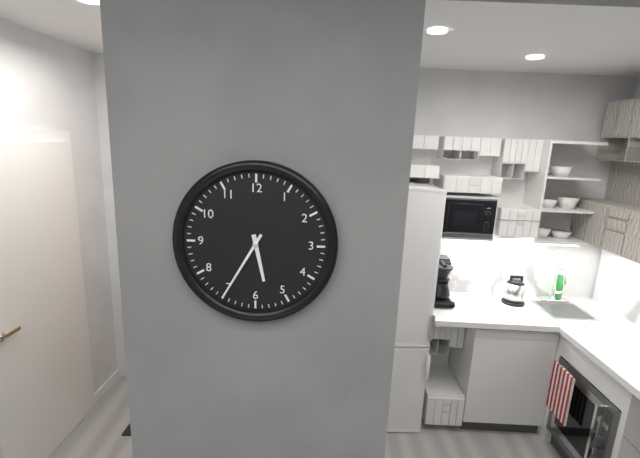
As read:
{"hour": 5, "minute": 35}
